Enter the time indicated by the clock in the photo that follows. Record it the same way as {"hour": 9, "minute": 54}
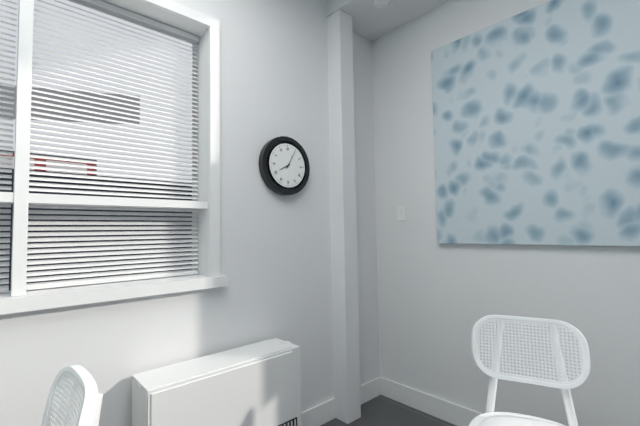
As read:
{"hour": 8, "minute": 5}
